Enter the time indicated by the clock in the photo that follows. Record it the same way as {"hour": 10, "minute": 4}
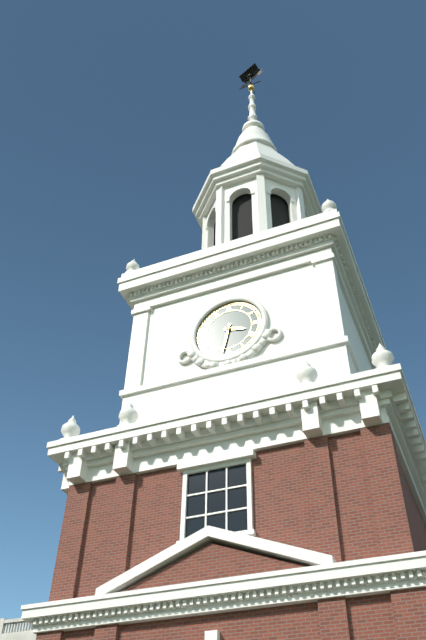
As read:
{"hour": 3, "minute": 32}
